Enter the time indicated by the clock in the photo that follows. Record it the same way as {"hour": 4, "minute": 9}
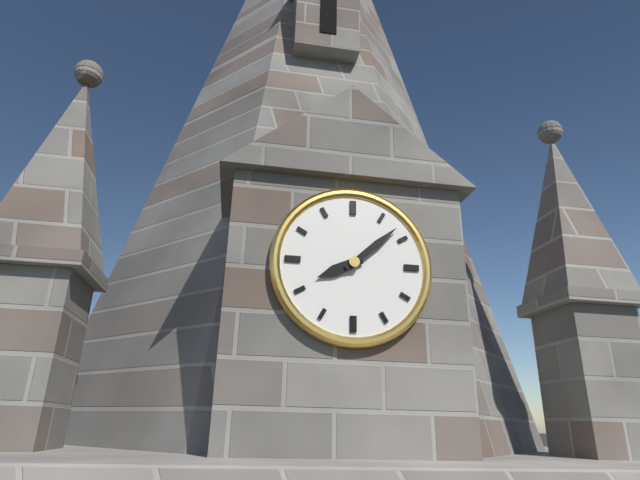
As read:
{"hour": 8, "minute": 8}
